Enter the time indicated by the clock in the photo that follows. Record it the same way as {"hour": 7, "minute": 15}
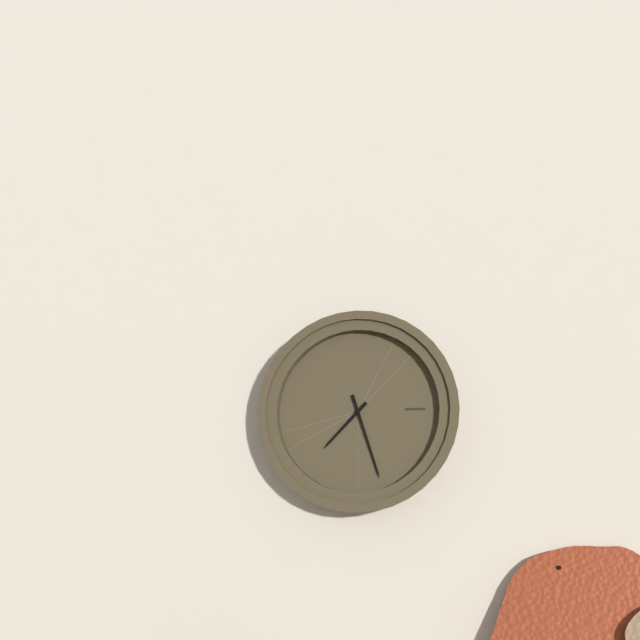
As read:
{"hour": 7, "minute": 27}
